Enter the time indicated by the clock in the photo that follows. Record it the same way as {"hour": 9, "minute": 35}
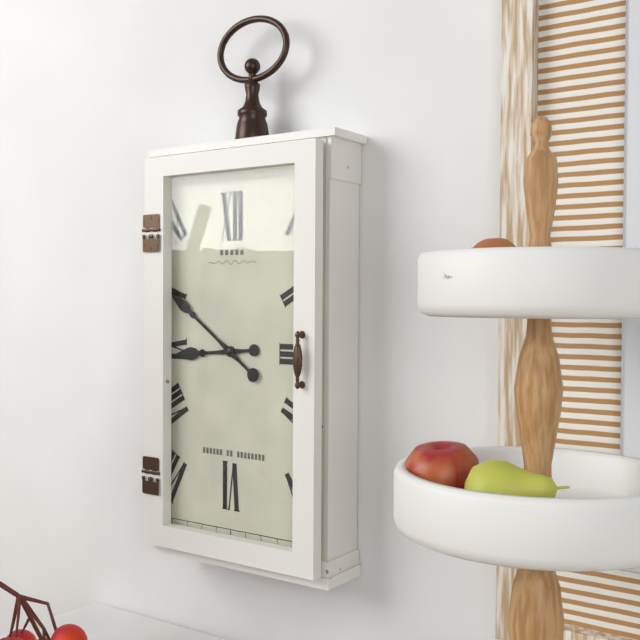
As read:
{"hour": 8, "minute": 51}
